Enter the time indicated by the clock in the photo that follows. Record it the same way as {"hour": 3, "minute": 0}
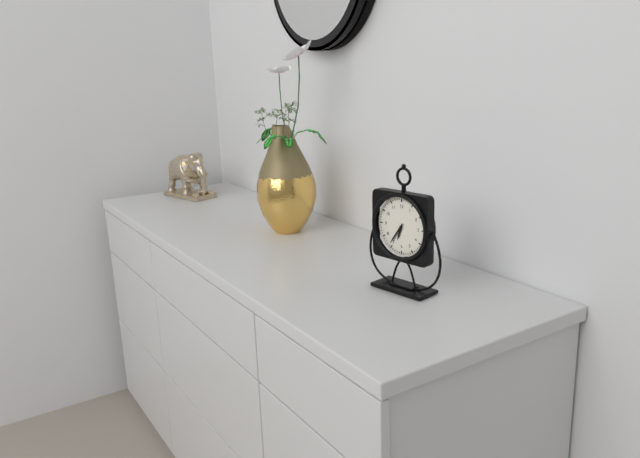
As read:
{"hour": 6, "minute": 36}
